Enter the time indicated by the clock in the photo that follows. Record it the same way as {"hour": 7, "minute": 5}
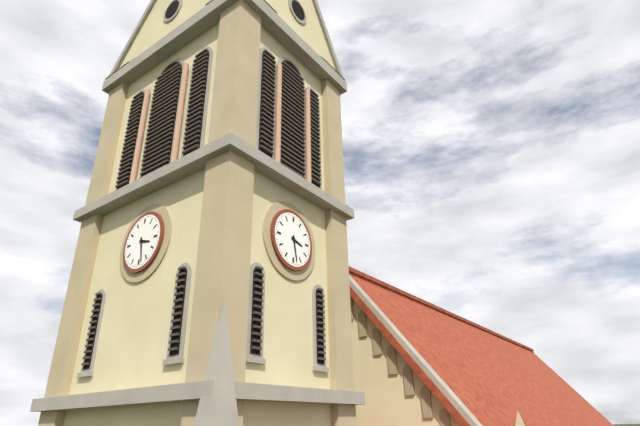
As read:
{"hour": 3, "minute": 28}
